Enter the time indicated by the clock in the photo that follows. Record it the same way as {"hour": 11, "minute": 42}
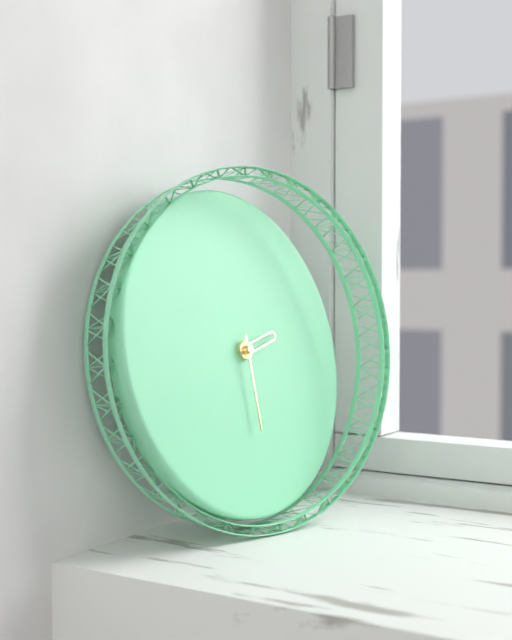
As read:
{"hour": 2, "minute": 30}
